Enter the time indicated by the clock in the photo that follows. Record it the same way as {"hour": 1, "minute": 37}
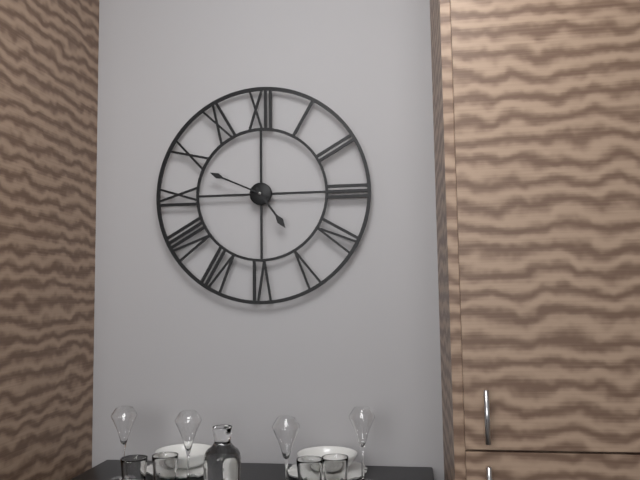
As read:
{"hour": 4, "minute": 49}
